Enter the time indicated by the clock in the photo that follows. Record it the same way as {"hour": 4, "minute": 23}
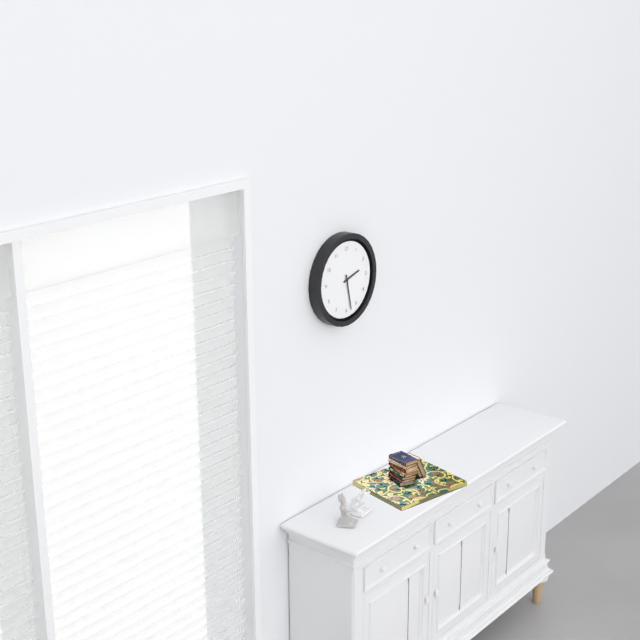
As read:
{"hour": 2, "minute": 28}
